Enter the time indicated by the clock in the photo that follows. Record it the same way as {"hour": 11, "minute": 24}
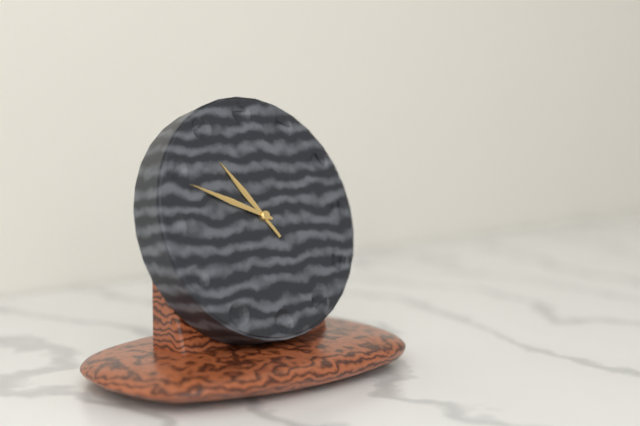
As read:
{"hour": 10, "minute": 49}
